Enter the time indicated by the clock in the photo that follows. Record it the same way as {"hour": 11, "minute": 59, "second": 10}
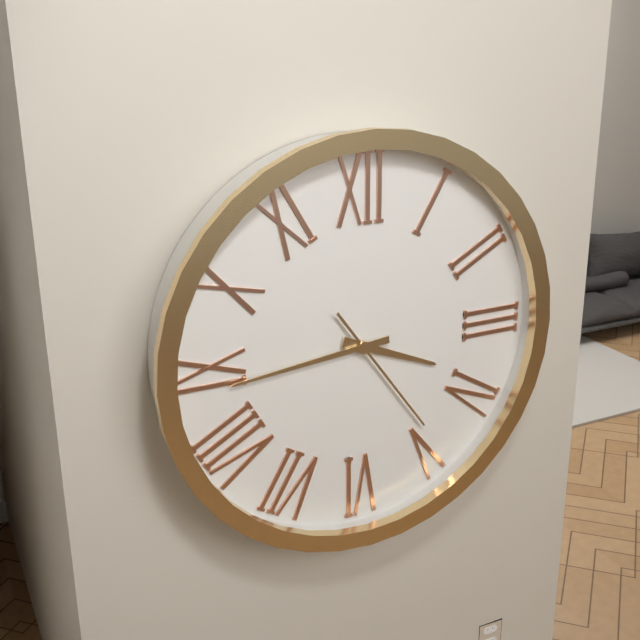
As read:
{"hour": 3, "minute": 44, "second": 24}
